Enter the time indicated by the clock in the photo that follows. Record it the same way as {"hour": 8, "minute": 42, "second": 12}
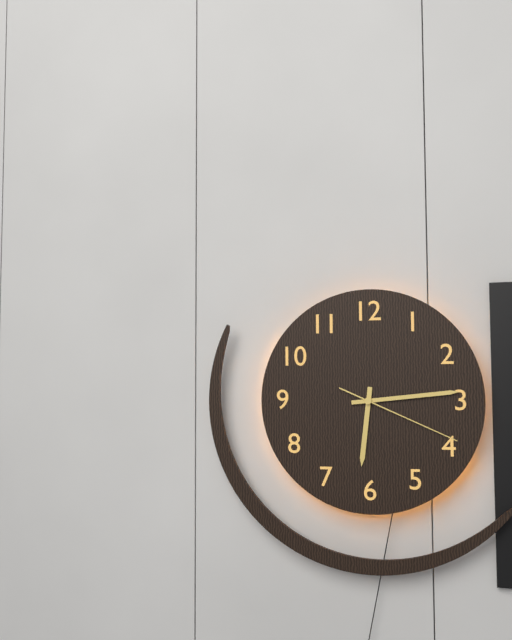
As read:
{"hour": 6, "minute": 14, "second": 19}
